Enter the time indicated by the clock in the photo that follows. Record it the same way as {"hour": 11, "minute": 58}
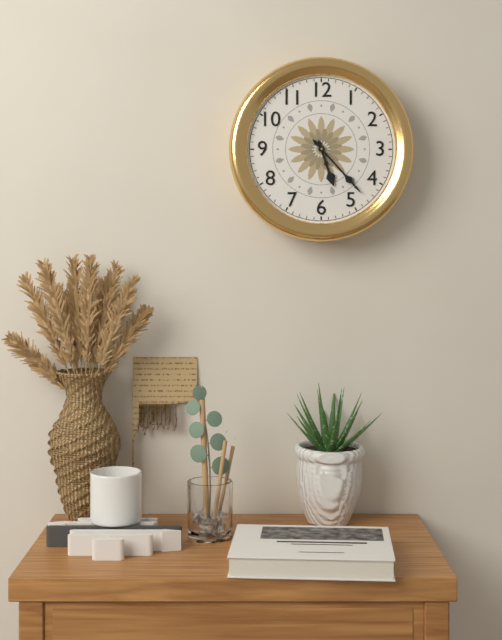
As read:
{"hour": 5, "minute": 23}
